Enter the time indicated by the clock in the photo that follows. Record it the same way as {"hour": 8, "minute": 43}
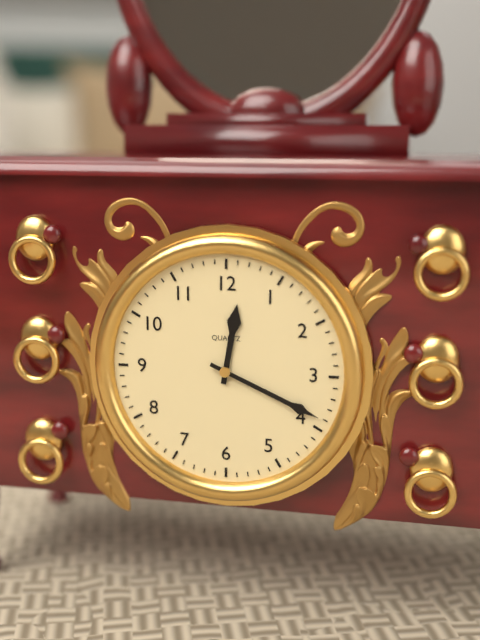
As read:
{"hour": 12, "minute": 19}
